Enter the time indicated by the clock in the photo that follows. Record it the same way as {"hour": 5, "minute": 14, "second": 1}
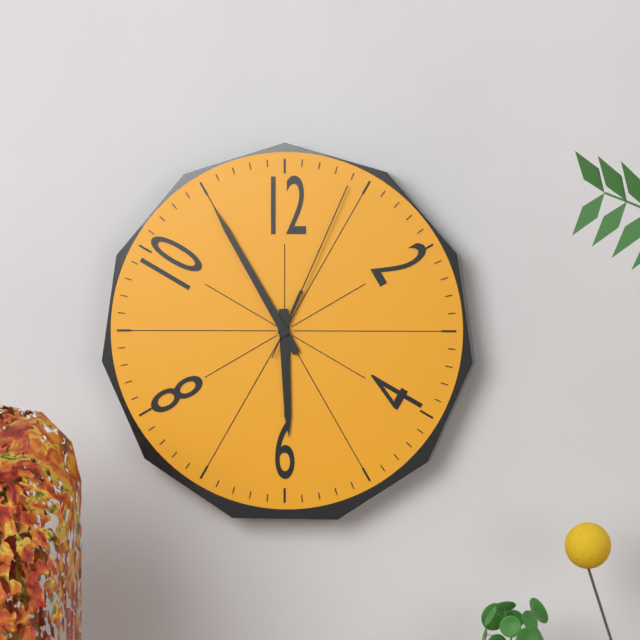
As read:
{"hour": 5, "minute": 55, "second": 4}
